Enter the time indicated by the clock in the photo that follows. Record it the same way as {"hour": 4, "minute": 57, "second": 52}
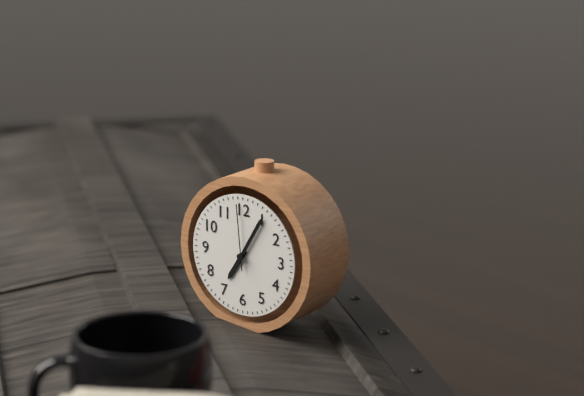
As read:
{"hour": 7, "minute": 5, "second": 59}
